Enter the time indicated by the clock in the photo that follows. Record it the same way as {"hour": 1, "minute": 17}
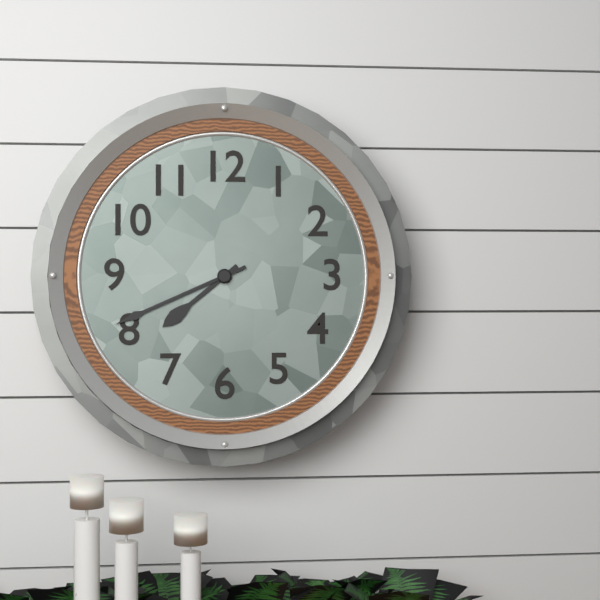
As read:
{"hour": 7, "minute": 41}
